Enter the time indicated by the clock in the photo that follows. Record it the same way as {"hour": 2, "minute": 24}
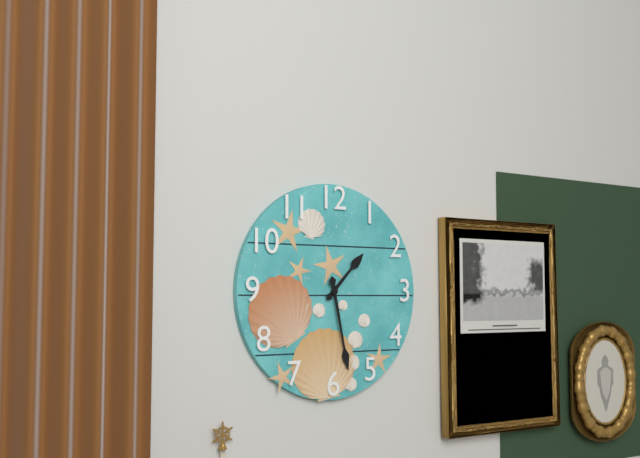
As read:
{"hour": 1, "minute": 28}
